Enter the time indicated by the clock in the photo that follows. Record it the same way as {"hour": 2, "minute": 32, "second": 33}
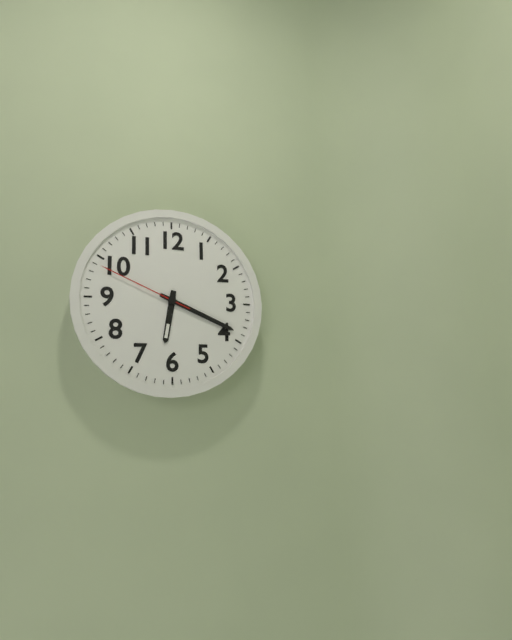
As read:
{"hour": 6, "minute": 19, "second": 49}
